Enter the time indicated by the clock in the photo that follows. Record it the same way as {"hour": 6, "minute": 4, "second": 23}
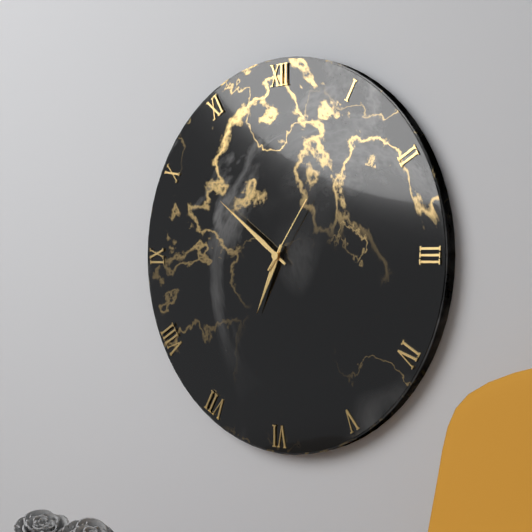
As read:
{"hour": 6, "minute": 51, "second": 6}
